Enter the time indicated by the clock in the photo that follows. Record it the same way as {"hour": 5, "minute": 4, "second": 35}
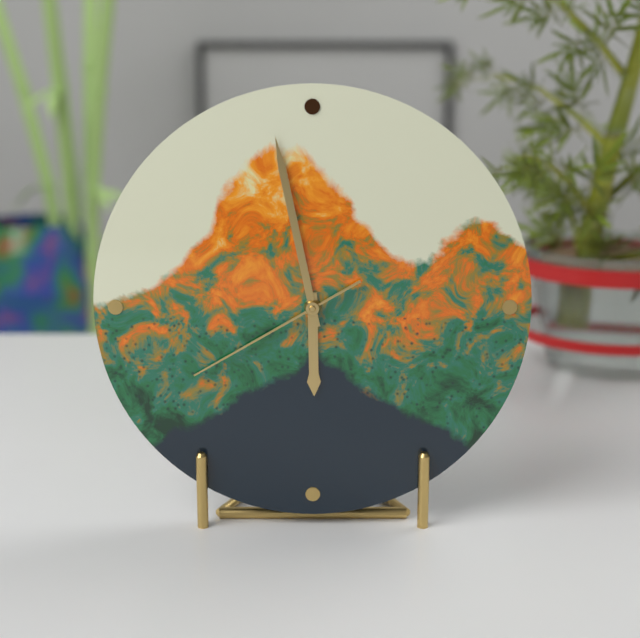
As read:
{"hour": 5, "minute": 58, "second": 40}
